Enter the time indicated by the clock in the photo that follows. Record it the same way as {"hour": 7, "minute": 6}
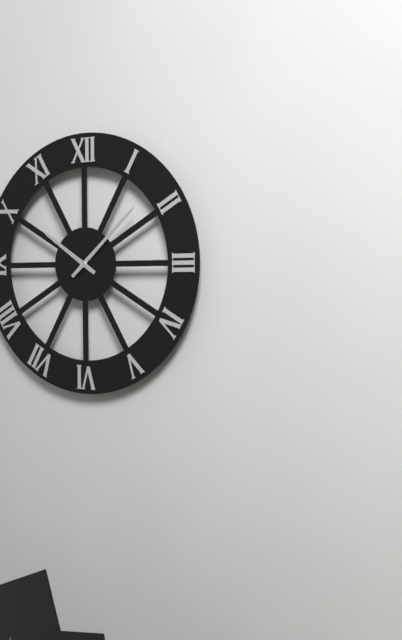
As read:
{"hour": 10, "minute": 8}
